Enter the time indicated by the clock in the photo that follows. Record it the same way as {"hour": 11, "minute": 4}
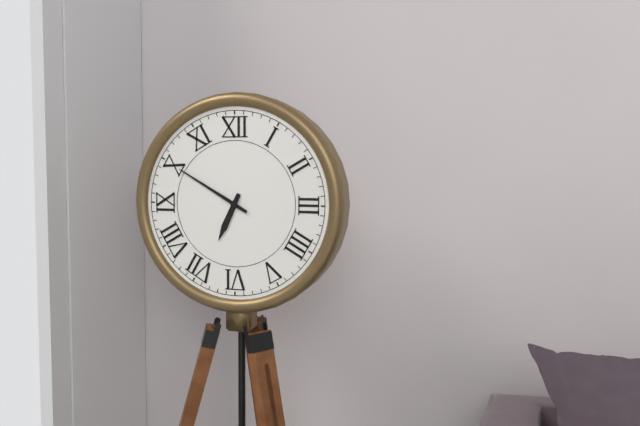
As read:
{"hour": 6, "minute": 50}
